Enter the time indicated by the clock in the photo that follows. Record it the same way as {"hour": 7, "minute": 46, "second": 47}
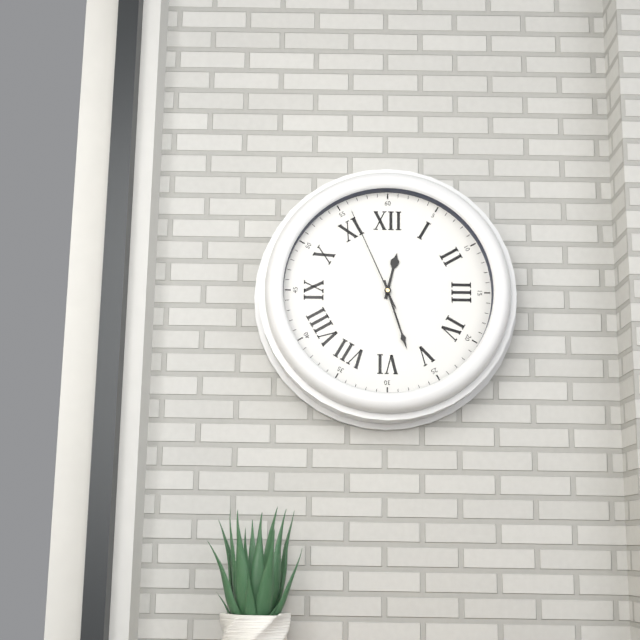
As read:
{"hour": 12, "minute": 27, "second": 56}
